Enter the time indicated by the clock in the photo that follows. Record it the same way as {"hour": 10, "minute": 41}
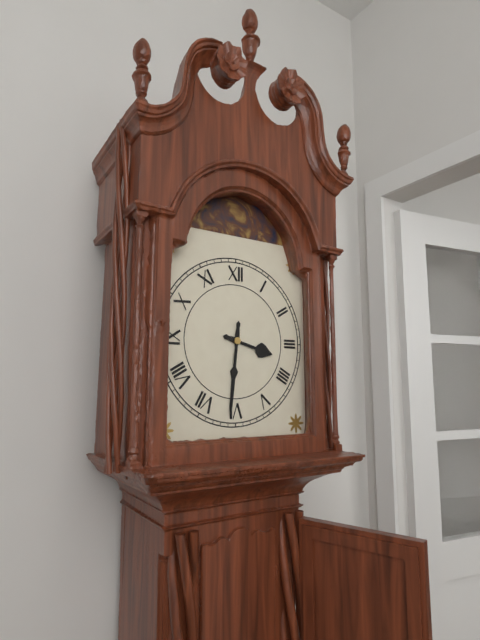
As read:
{"hour": 3, "minute": 31}
